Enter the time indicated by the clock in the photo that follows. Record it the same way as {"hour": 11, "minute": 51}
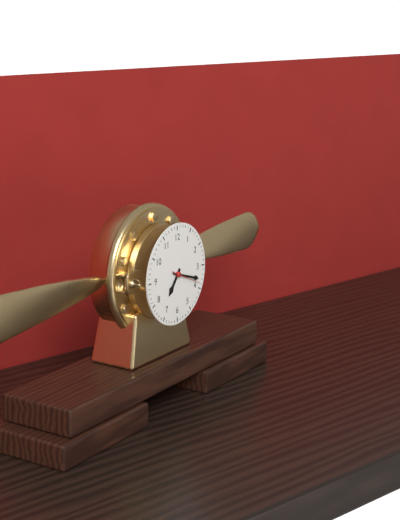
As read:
{"hour": 7, "minute": 18}
